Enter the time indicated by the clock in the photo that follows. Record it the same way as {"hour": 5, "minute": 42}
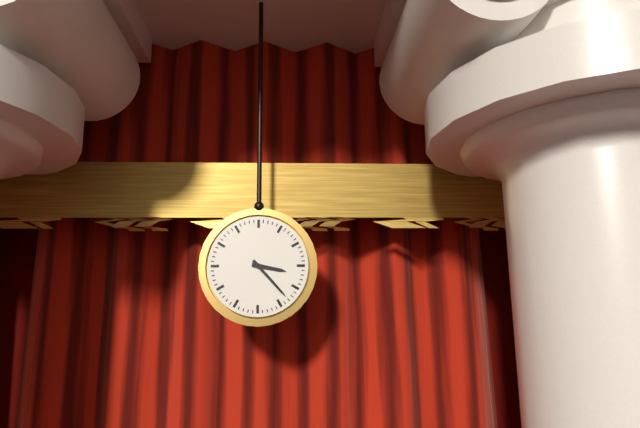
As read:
{"hour": 3, "minute": 23}
